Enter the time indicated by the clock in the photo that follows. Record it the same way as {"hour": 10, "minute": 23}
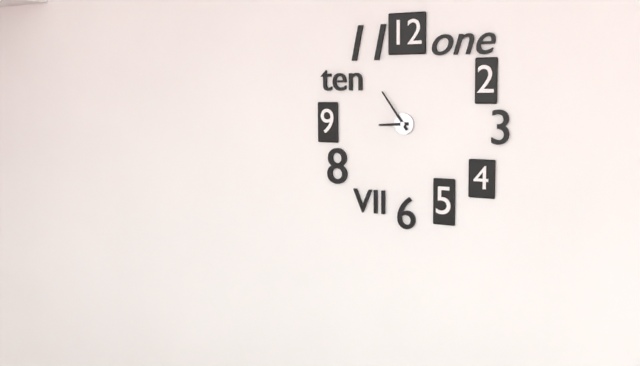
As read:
{"hour": 8, "minute": 54}
